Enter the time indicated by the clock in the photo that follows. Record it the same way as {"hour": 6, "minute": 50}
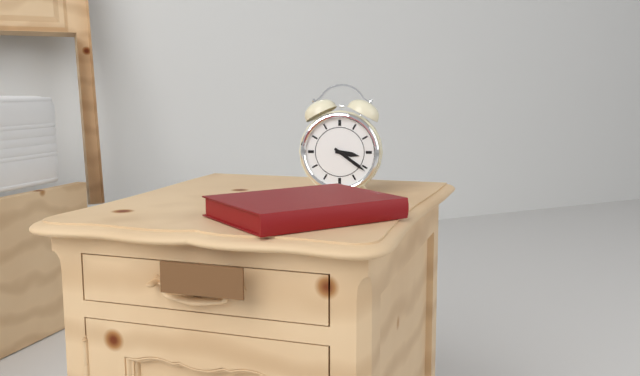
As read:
{"hour": 3, "minute": 21}
